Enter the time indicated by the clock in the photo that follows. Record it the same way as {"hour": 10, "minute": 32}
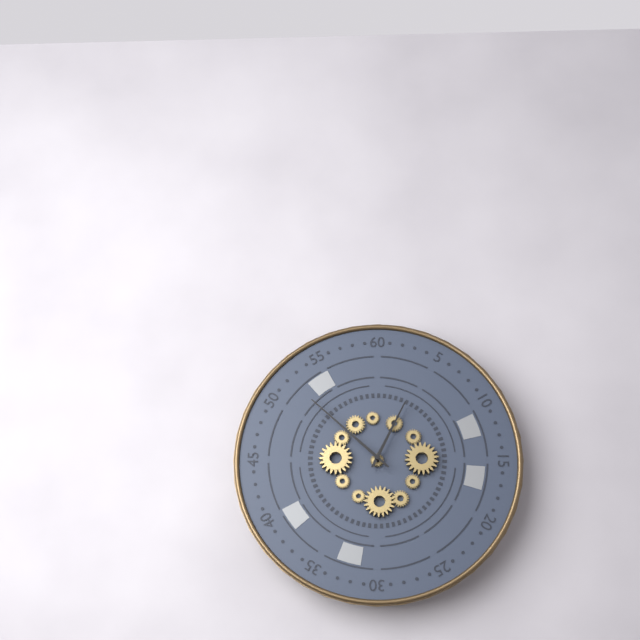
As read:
{"hour": 12, "minute": 52}
